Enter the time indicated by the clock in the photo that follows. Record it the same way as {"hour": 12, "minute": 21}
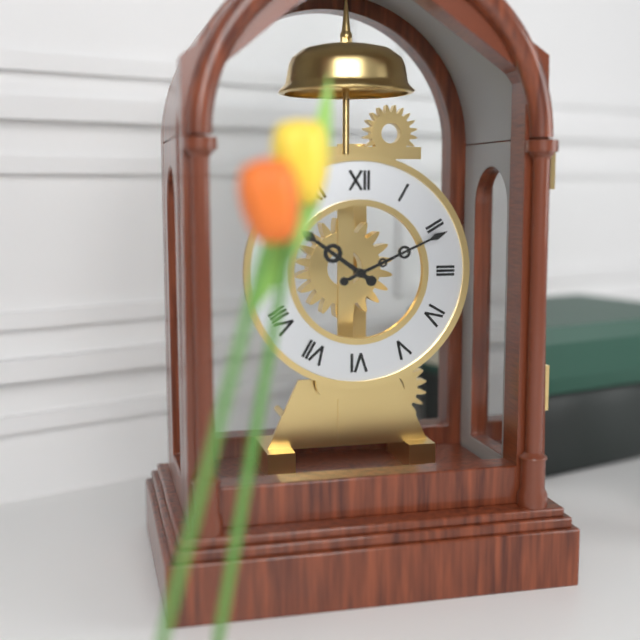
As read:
{"hour": 10, "minute": 11}
